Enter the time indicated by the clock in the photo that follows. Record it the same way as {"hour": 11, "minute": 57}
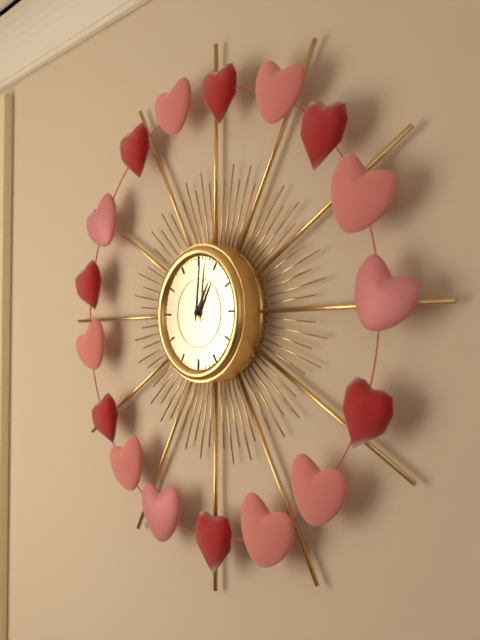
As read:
{"hour": 1, "minute": 1}
